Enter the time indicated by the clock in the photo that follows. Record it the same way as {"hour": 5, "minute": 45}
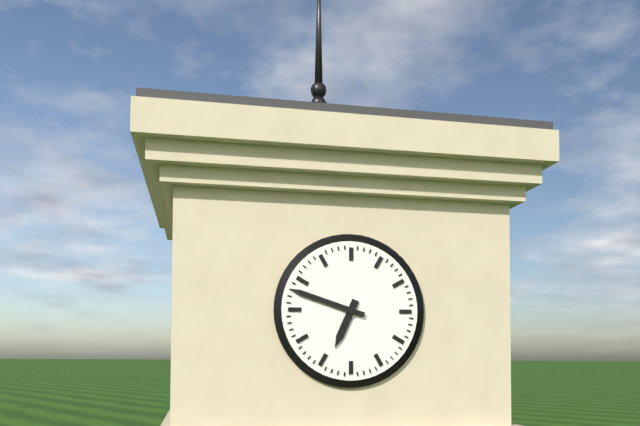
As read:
{"hour": 6, "minute": 48}
